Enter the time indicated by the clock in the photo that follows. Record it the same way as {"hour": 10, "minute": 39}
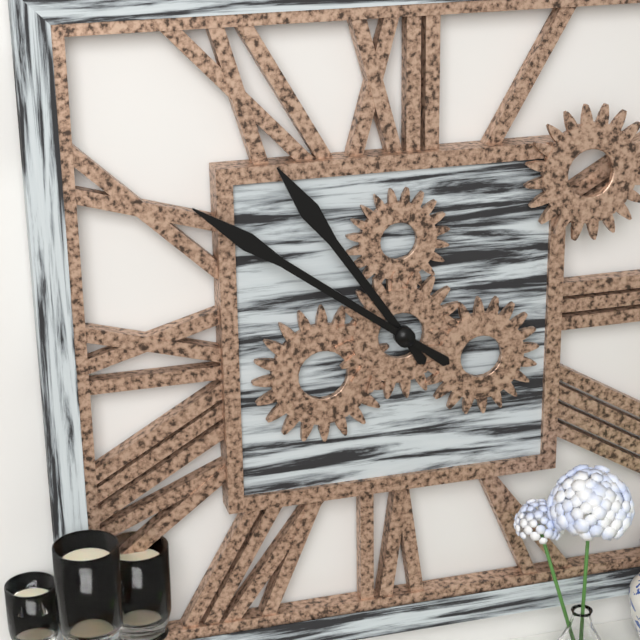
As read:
{"hour": 10, "minute": 51}
